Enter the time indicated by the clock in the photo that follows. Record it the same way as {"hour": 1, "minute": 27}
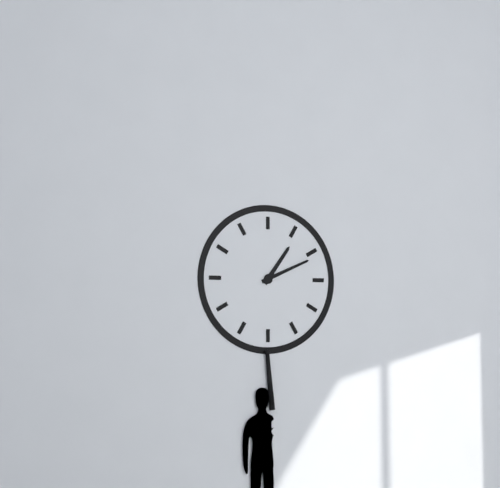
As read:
{"hour": 1, "minute": 11}
